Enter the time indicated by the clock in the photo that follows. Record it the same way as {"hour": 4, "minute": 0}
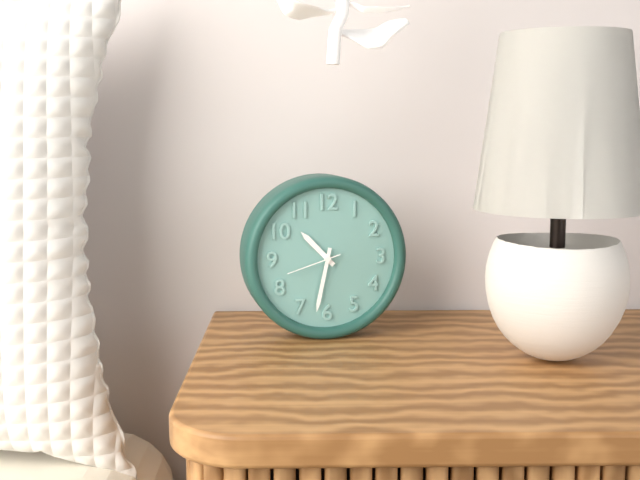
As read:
{"hour": 10, "minute": 32}
